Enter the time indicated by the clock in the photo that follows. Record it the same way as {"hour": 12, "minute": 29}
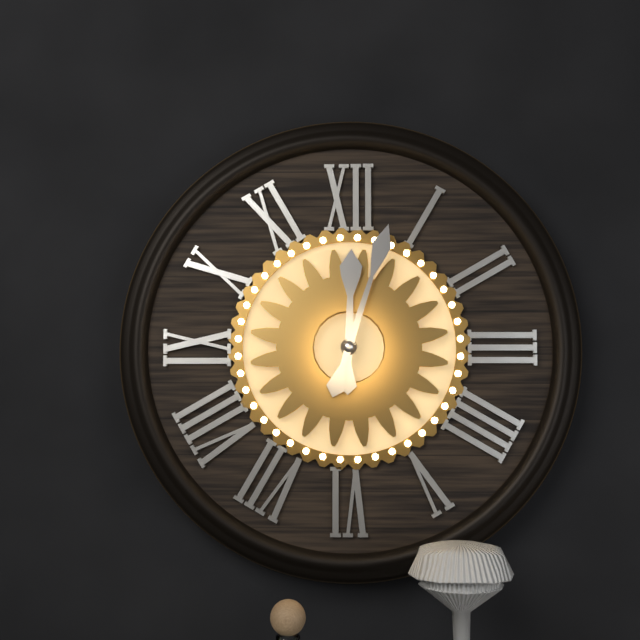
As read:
{"hour": 12, "minute": 3}
